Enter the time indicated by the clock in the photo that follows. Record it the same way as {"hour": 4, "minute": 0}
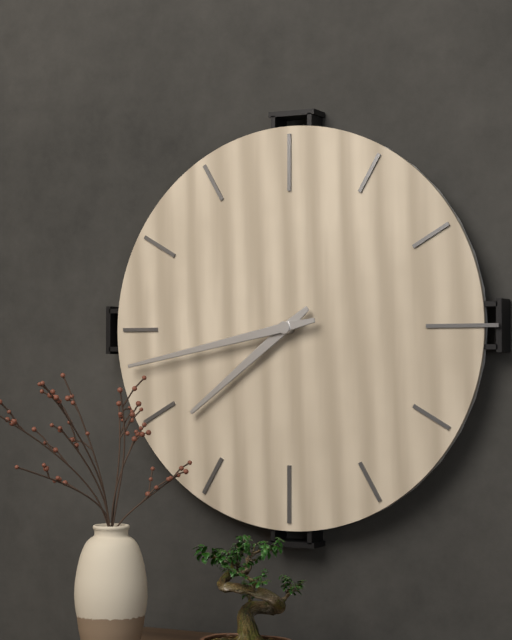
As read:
{"hour": 7, "minute": 43}
